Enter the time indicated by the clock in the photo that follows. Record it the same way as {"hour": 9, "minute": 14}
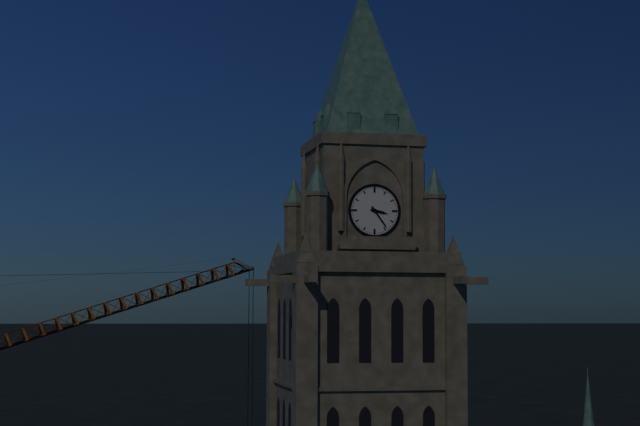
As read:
{"hour": 3, "minute": 24}
